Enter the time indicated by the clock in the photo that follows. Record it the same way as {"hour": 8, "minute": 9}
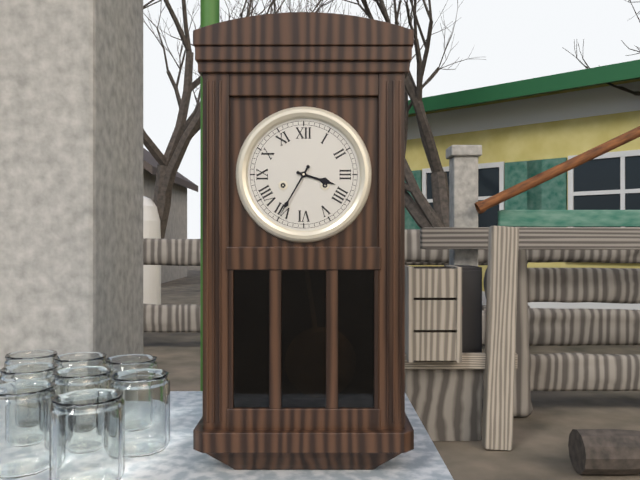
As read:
{"hour": 3, "minute": 35}
